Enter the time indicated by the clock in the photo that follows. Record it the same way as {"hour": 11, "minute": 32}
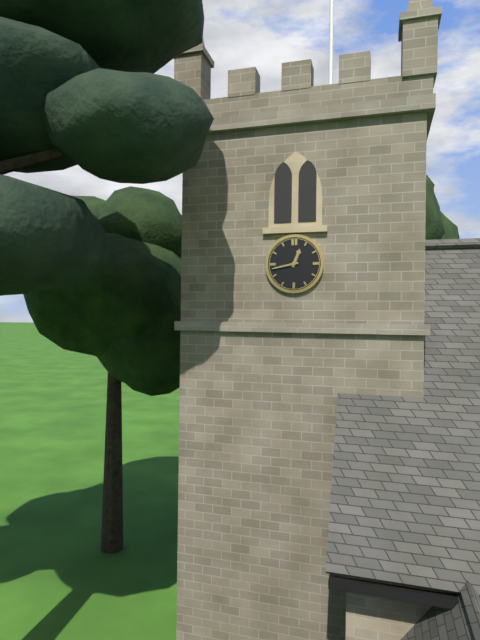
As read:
{"hour": 12, "minute": 43}
